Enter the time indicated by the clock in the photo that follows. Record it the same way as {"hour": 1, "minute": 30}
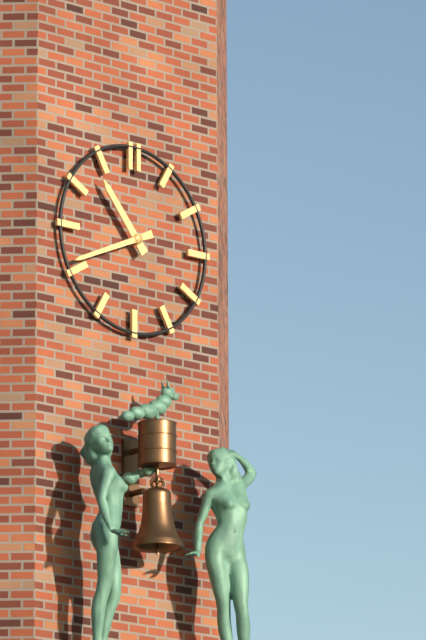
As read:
{"hour": 10, "minute": 41}
